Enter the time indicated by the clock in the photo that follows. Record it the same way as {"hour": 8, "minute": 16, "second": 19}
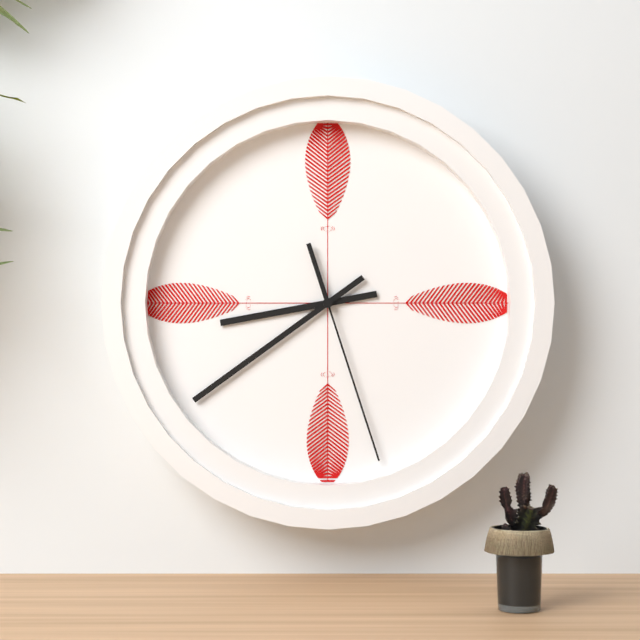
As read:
{"hour": 8, "minute": 39, "second": 27}
